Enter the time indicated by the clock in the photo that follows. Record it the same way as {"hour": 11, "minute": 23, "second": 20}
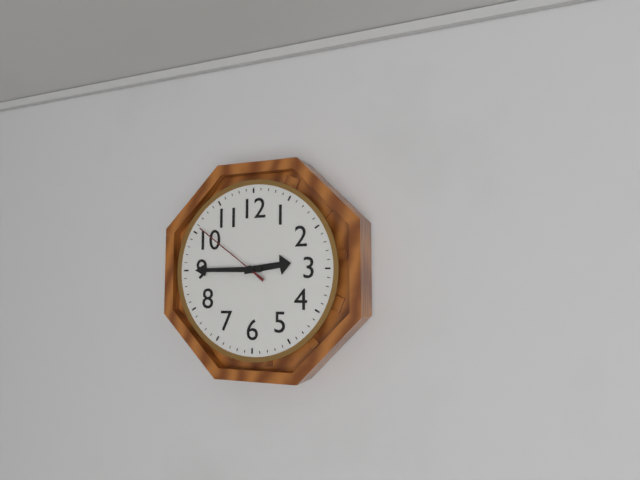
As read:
{"hour": 2, "minute": 45, "second": 51}
